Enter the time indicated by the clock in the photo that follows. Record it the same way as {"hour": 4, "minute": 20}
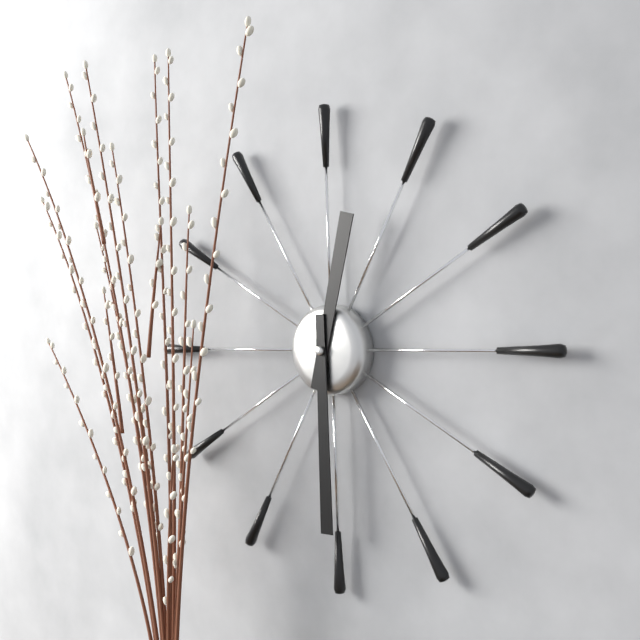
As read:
{"hour": 12, "minute": 30}
